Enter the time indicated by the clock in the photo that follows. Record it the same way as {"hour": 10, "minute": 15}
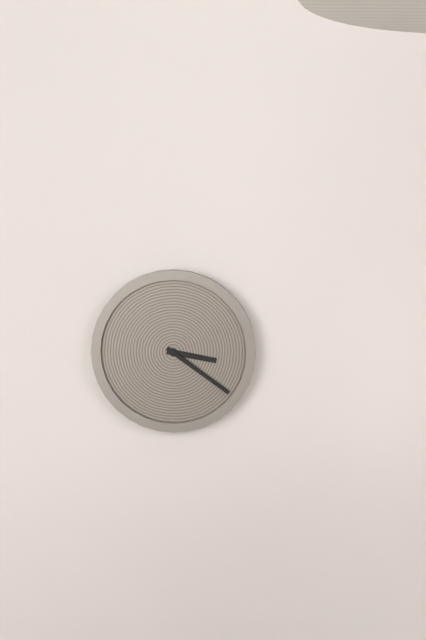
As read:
{"hour": 3, "minute": 21}
